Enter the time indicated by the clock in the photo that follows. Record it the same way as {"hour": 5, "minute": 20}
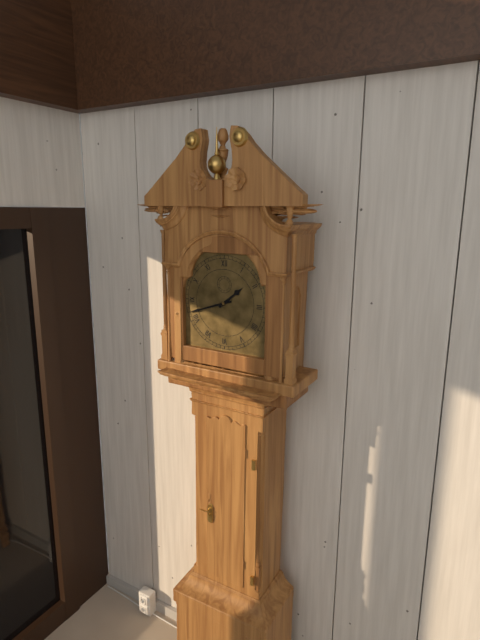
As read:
{"hour": 1, "minute": 42}
